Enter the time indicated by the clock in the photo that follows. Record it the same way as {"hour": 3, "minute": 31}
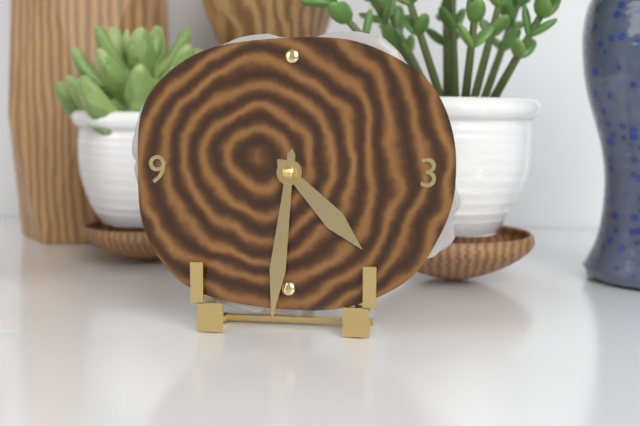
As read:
{"hour": 4, "minute": 31}
